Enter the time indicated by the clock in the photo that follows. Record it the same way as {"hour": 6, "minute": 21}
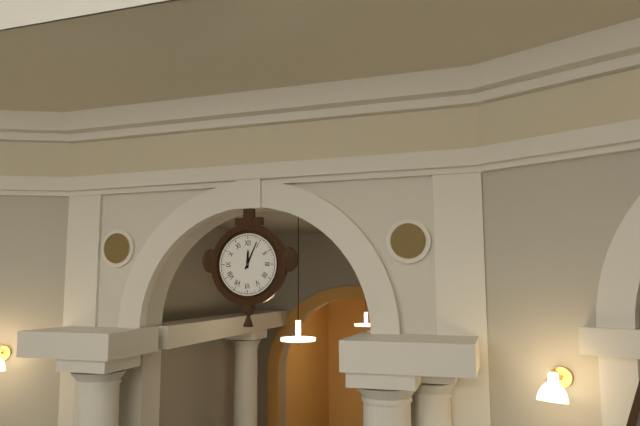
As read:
{"hour": 12, "minute": 4}
